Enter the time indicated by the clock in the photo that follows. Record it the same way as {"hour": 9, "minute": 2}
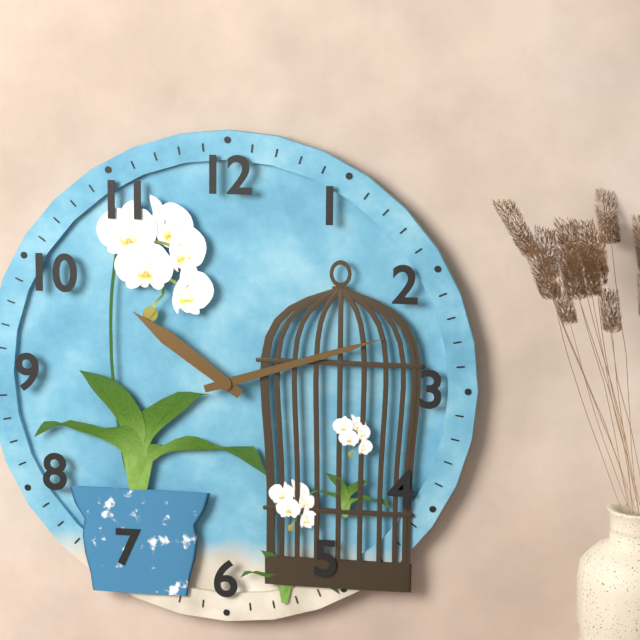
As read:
{"hour": 10, "minute": 12}
